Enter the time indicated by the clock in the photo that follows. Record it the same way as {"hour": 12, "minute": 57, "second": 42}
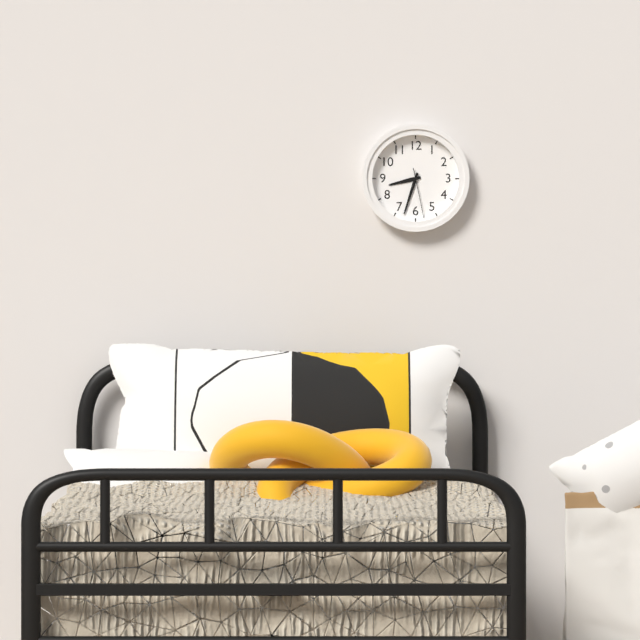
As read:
{"hour": 8, "minute": 33, "second": 28}
